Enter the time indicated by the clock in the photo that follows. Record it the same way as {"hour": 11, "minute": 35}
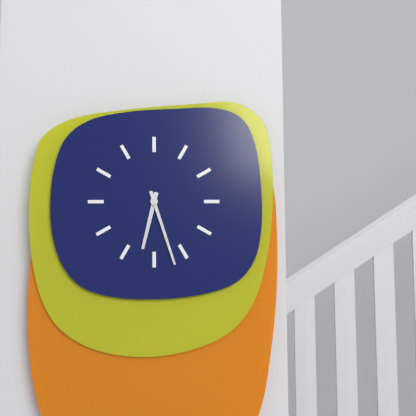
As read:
{"hour": 6, "minute": 27}
